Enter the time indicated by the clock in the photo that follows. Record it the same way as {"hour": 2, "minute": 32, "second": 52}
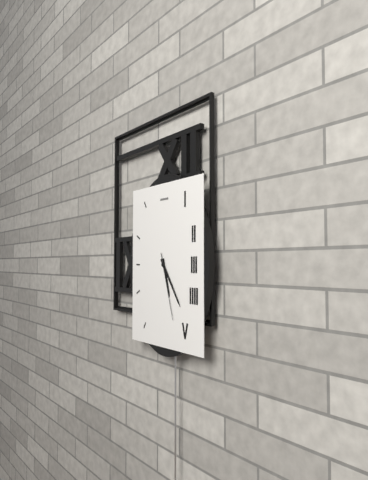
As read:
{"hour": 5, "minute": 24, "second": 27}
